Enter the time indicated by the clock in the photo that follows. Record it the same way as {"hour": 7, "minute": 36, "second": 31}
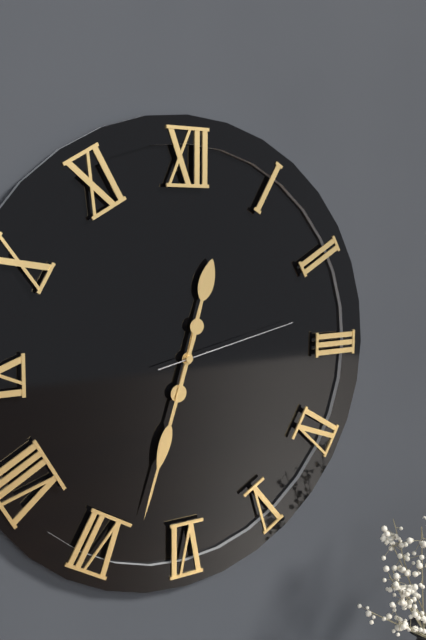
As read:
{"hour": 12, "minute": 33, "second": 13}
